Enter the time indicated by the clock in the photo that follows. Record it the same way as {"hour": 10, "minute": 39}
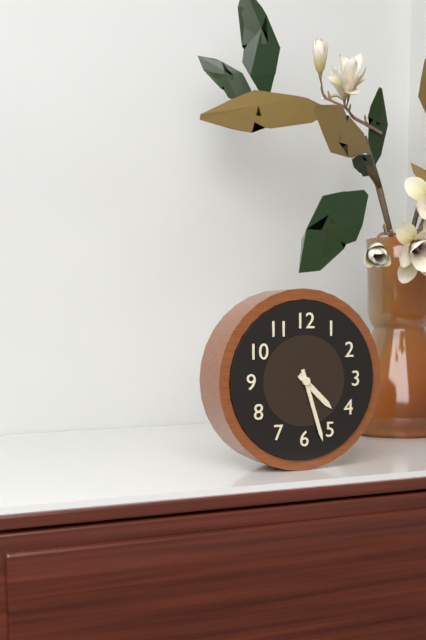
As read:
{"hour": 4, "minute": 27}
